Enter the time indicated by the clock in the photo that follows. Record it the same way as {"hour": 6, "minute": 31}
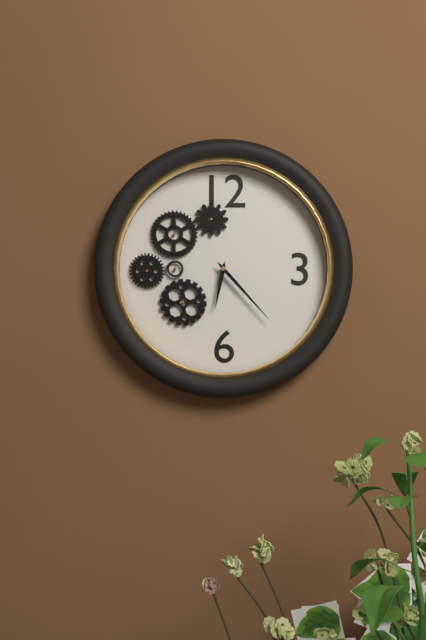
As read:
{"hour": 6, "minute": 23}
